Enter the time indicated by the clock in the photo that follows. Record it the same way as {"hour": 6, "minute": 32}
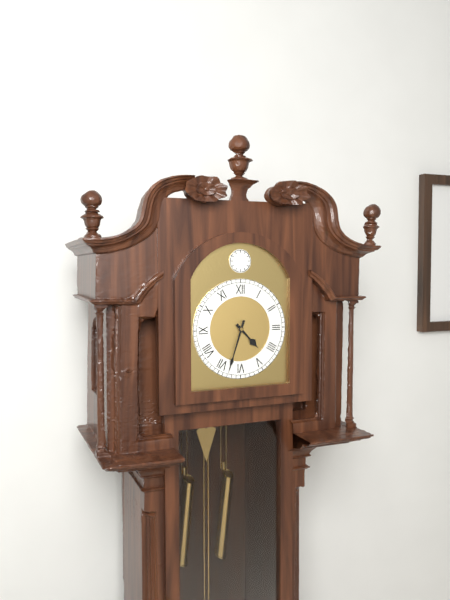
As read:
{"hour": 4, "minute": 33}
